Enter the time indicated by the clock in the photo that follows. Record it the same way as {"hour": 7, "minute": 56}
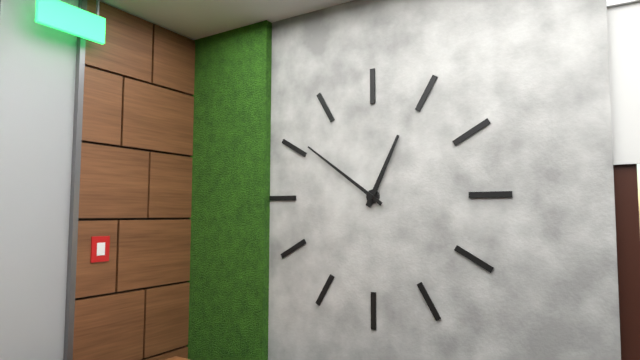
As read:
{"hour": 12, "minute": 51}
